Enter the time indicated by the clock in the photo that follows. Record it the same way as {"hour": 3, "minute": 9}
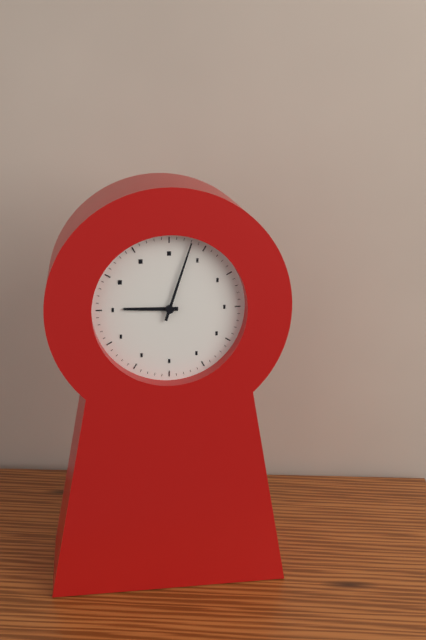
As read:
{"hour": 9, "minute": 3}
